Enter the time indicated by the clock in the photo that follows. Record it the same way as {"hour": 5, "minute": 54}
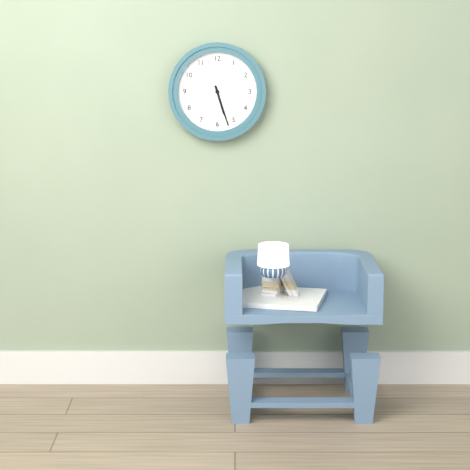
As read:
{"hour": 5, "minute": 27}
